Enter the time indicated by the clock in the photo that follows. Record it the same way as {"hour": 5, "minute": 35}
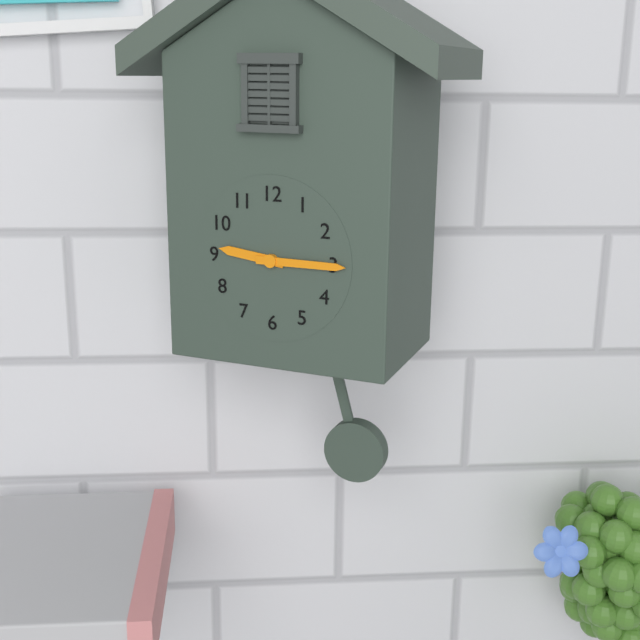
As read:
{"hour": 9, "minute": 15}
